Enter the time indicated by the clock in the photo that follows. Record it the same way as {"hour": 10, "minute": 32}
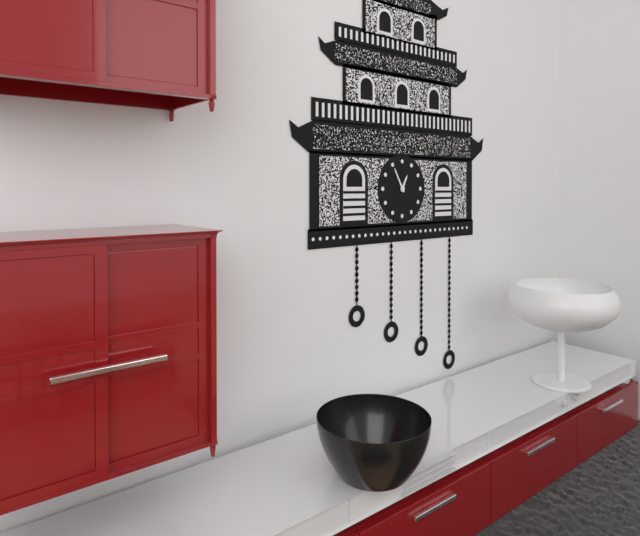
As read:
{"hour": 12, "minute": 55}
